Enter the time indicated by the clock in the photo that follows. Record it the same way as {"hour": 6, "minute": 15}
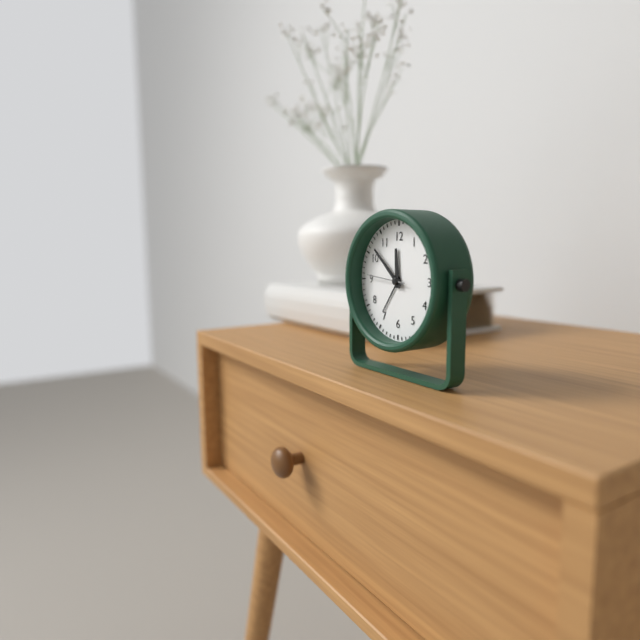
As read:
{"hour": 11, "minute": 52}
